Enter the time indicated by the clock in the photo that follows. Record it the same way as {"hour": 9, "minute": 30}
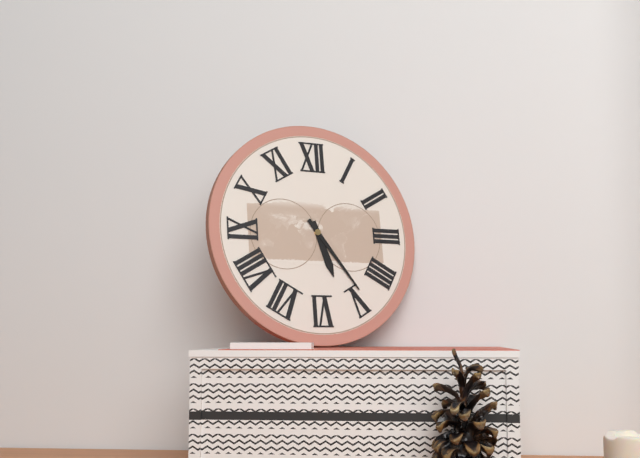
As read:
{"hour": 5, "minute": 24}
